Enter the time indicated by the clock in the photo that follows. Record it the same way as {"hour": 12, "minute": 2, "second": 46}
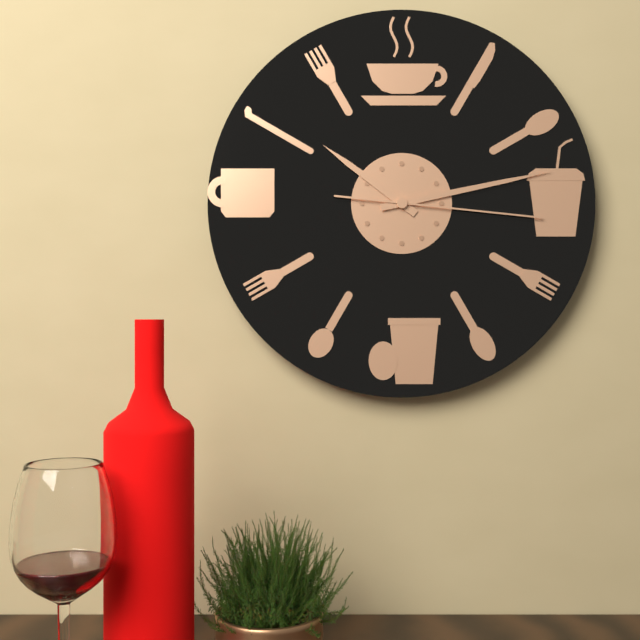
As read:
{"hour": 10, "minute": 13, "second": 16}
